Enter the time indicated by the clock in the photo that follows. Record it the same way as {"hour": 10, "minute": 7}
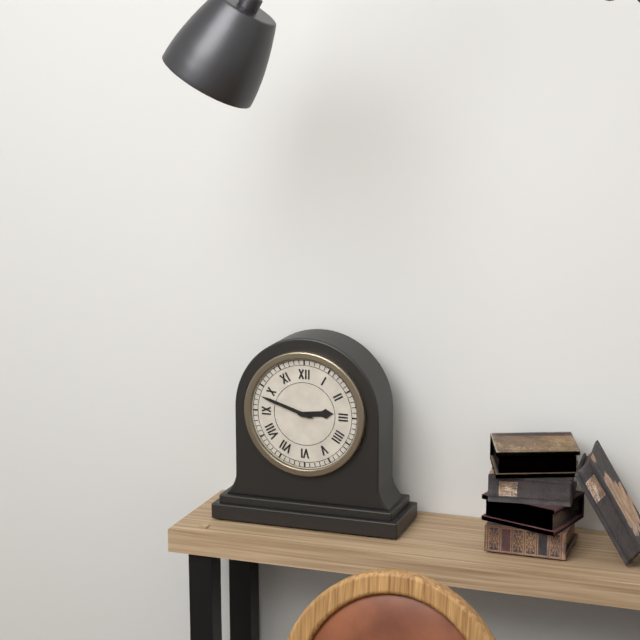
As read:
{"hour": 2, "minute": 48}
